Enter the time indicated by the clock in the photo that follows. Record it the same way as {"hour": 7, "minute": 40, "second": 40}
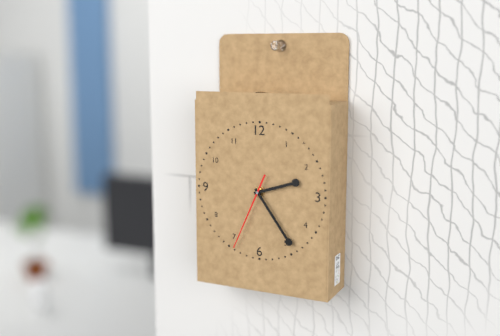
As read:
{"hour": 2, "minute": 24, "second": 34}
